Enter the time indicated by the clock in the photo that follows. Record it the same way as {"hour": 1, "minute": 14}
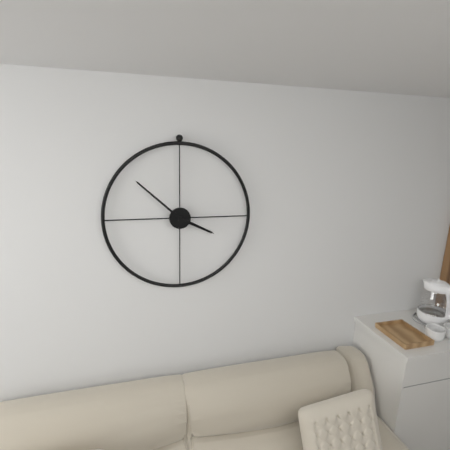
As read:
{"hour": 3, "minute": 52}
